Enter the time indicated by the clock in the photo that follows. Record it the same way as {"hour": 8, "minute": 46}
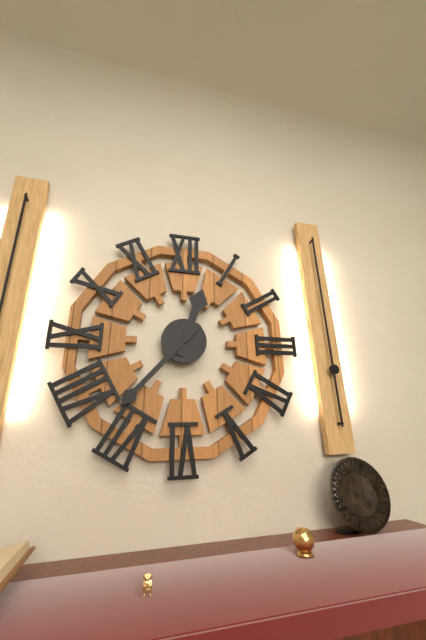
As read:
{"hour": 12, "minute": 37}
